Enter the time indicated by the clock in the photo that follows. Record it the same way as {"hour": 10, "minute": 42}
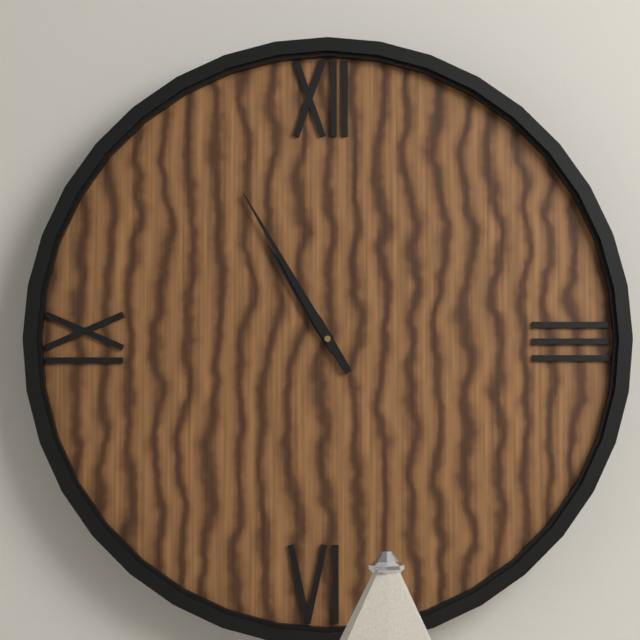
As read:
{"hour": 10, "minute": 55}
